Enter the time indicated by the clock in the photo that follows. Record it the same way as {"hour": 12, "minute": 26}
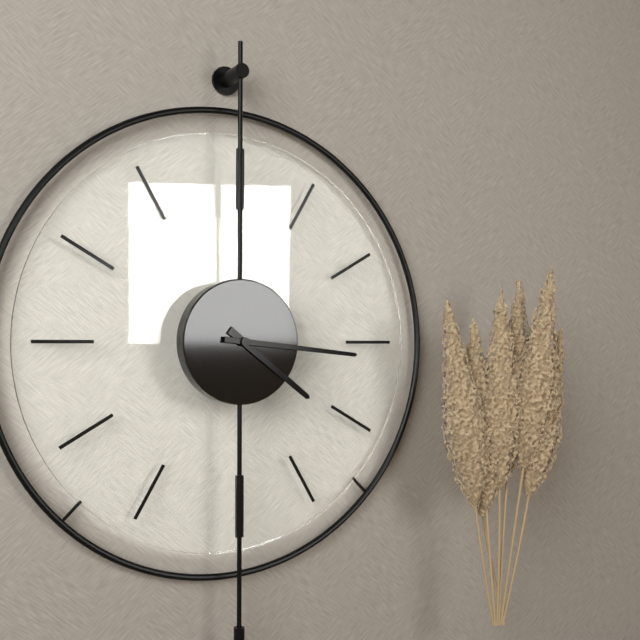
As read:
{"hour": 4, "minute": 16}
